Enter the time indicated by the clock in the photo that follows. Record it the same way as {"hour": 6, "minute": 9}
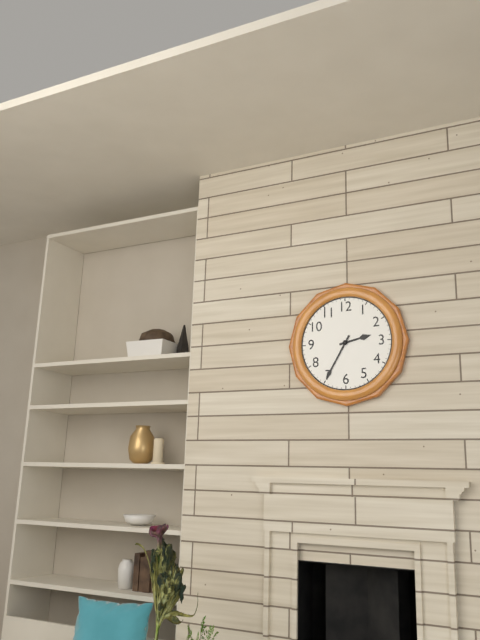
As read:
{"hour": 2, "minute": 35}
